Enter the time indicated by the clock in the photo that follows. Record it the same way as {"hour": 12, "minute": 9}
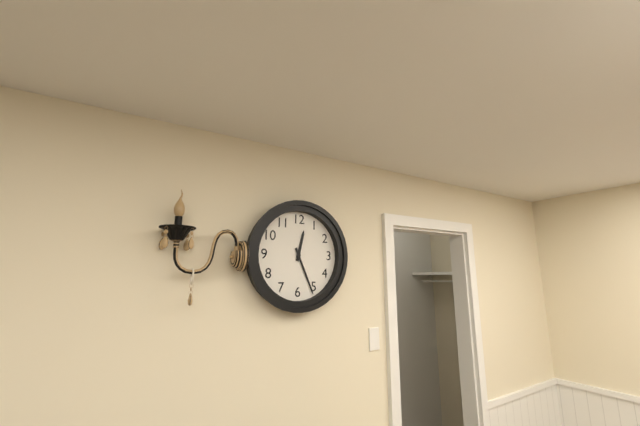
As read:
{"hour": 12, "minute": 26}
